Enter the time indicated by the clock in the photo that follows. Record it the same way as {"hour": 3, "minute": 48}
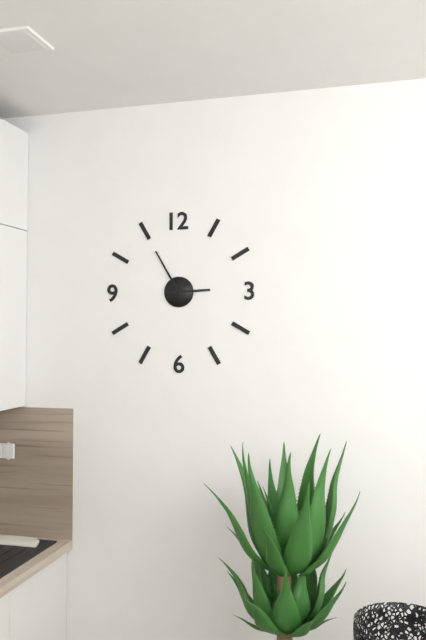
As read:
{"hour": 2, "minute": 55}
